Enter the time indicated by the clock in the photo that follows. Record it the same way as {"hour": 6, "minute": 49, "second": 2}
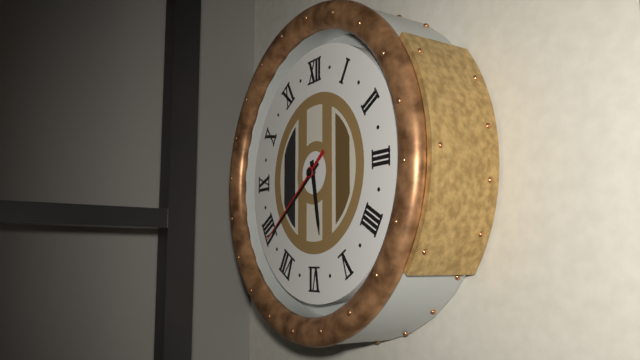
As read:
{"hour": 5, "minute": 39, "second": 39}
